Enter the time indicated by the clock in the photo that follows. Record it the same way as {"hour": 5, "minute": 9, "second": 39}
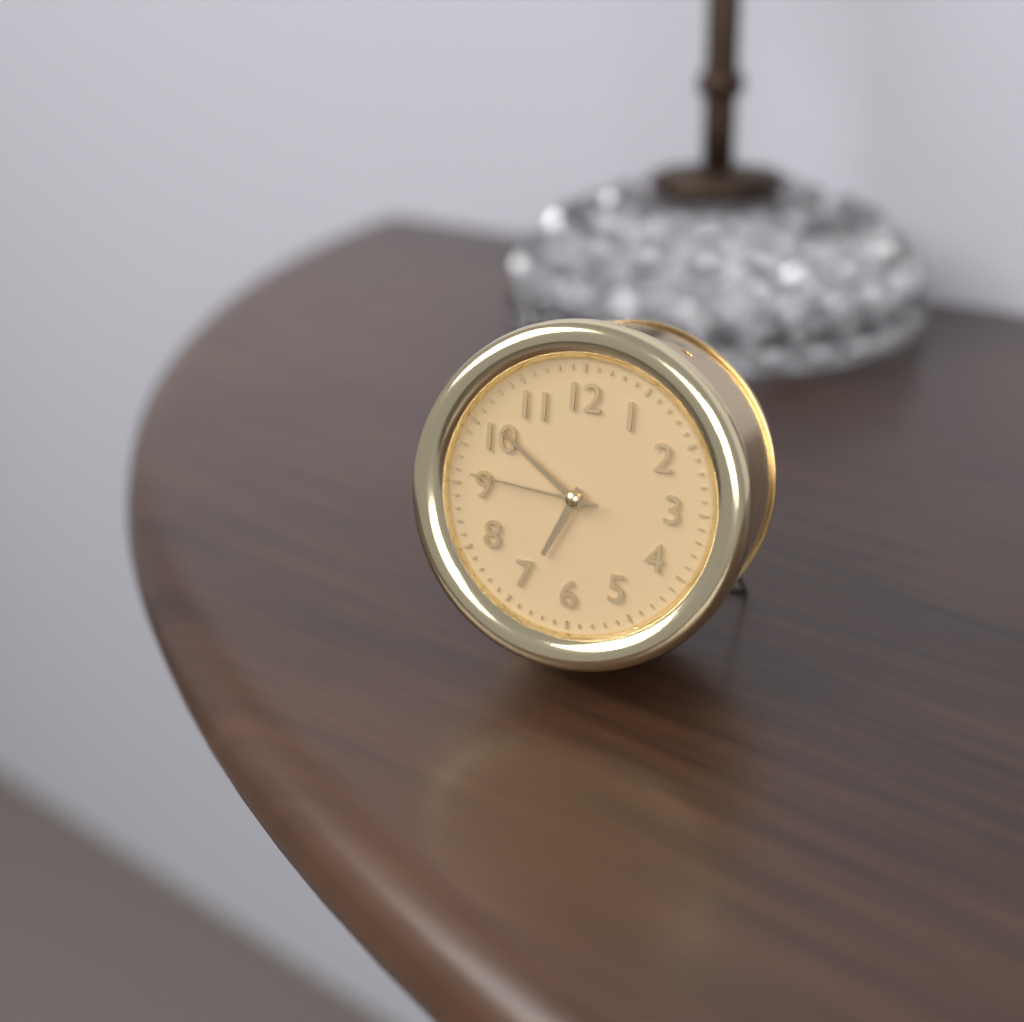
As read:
{"hour": 6, "minute": 51, "second": 46}
